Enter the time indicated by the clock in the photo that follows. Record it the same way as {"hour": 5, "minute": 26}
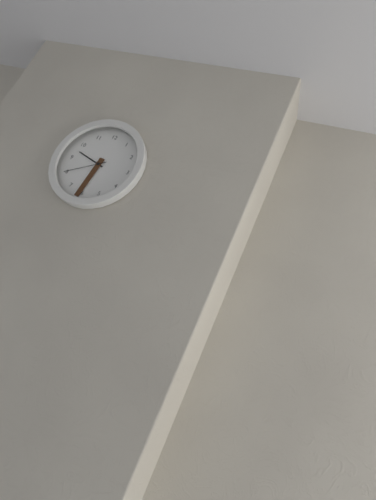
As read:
{"hour": 9, "minute": 31}
